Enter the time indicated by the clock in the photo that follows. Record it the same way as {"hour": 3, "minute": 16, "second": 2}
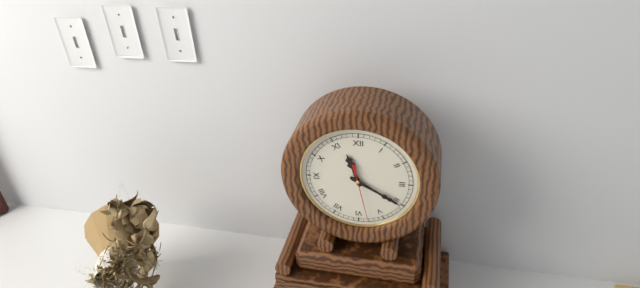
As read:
{"hour": 11, "minute": 20, "second": 28}
